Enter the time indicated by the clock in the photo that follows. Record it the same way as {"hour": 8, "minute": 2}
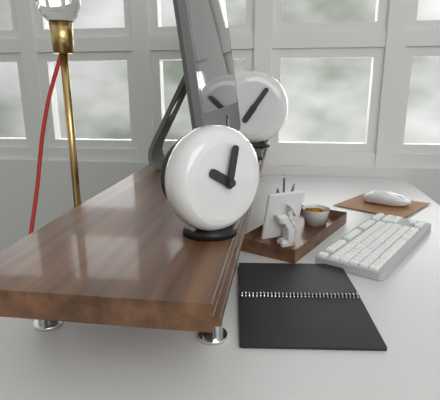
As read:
{"hour": 10, "minute": 2}
